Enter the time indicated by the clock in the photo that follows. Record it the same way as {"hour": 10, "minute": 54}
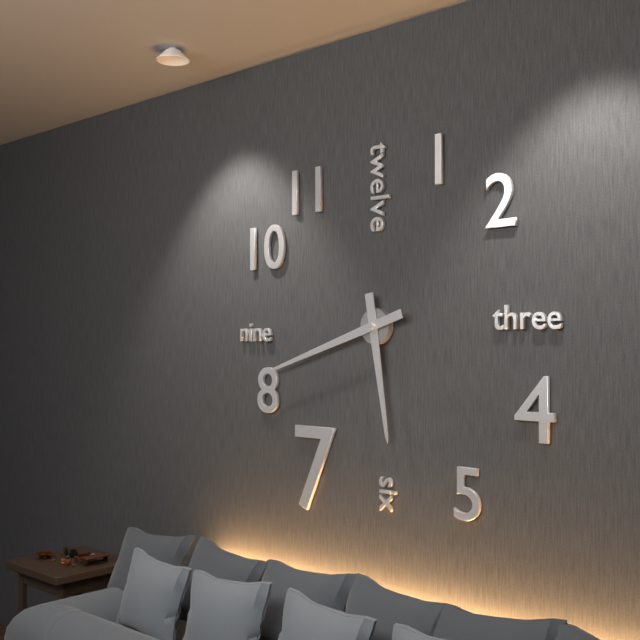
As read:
{"hour": 5, "minute": 42}
